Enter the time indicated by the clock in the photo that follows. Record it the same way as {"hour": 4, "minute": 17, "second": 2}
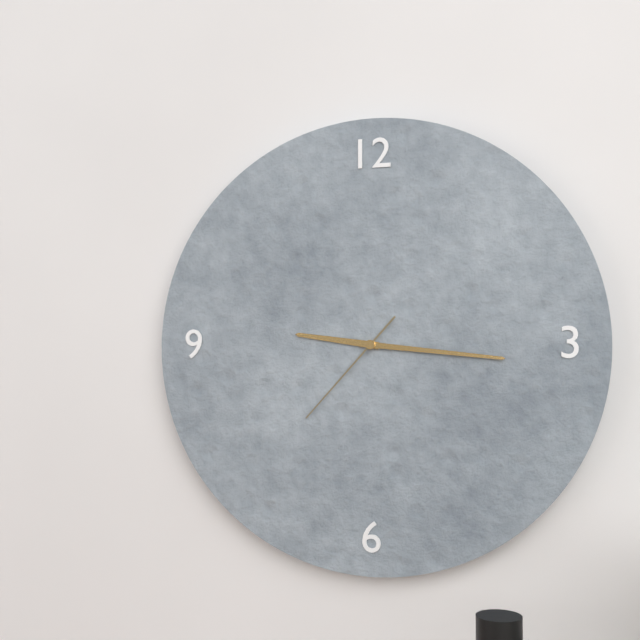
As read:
{"hour": 9, "minute": 16, "second": 37}
